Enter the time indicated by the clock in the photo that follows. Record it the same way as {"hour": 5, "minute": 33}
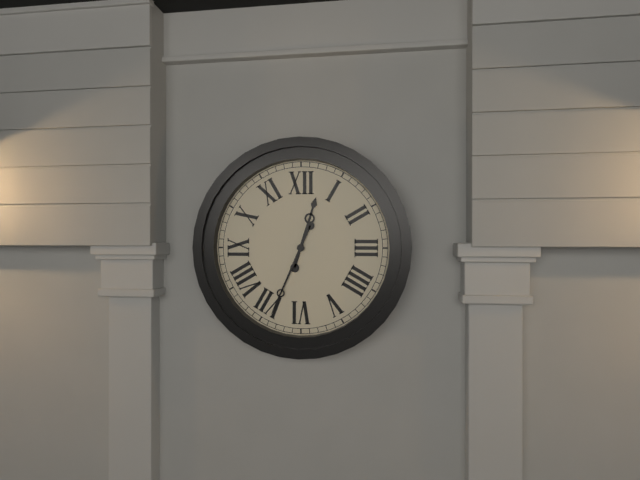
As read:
{"hour": 12, "minute": 34}
